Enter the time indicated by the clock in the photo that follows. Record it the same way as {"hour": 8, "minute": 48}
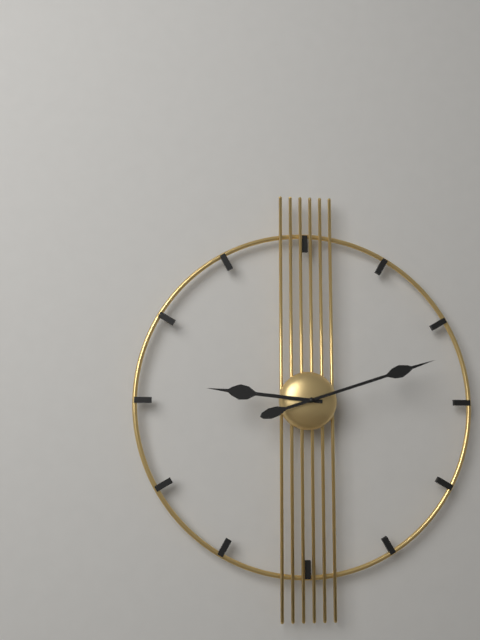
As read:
{"hour": 9, "minute": 12}
